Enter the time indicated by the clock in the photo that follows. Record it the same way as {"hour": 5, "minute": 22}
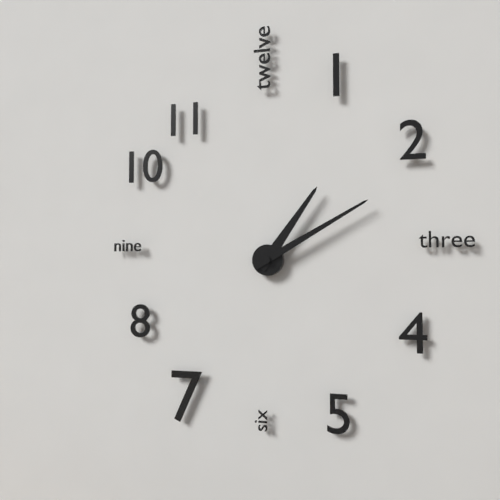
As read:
{"hour": 1, "minute": 10}
